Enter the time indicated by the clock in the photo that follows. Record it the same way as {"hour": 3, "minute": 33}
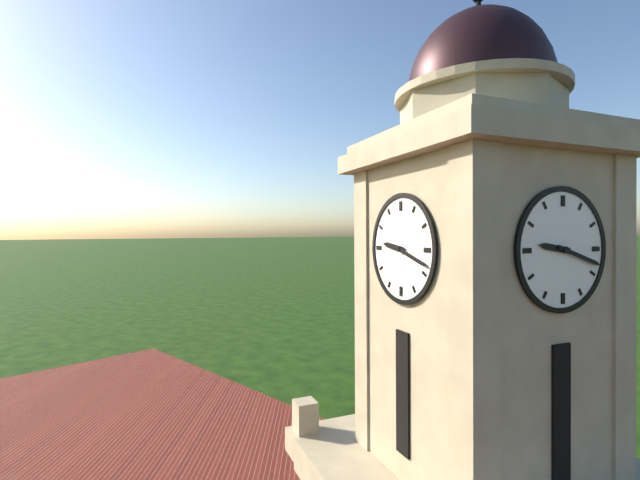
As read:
{"hour": 9, "minute": 18}
